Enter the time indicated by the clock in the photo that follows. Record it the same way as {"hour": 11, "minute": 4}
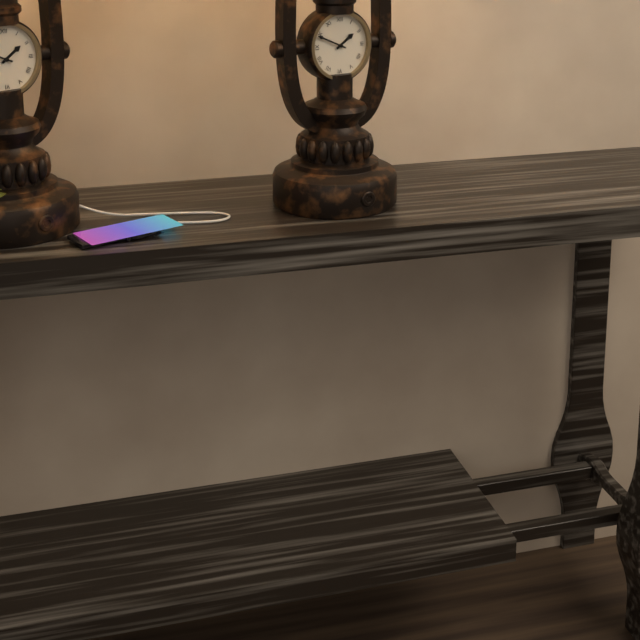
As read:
{"hour": 1, "minute": 49}
